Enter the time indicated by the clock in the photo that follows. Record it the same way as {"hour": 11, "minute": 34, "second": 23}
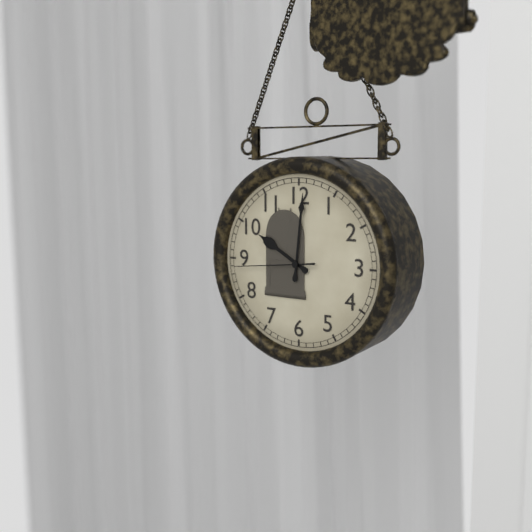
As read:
{"hour": 10, "minute": 1, "second": 44}
